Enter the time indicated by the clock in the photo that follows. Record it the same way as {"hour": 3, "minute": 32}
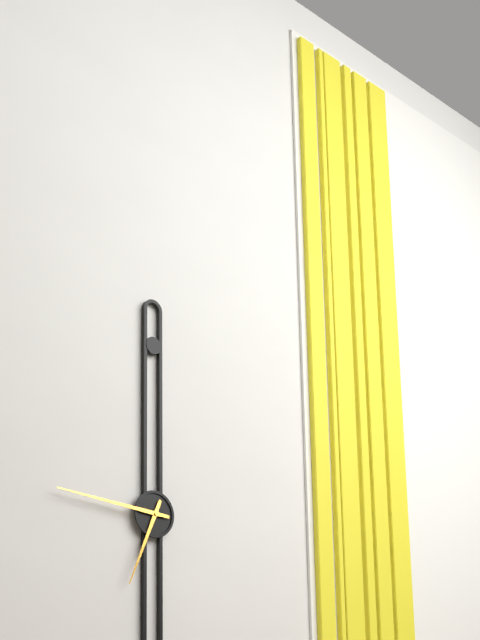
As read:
{"hour": 6, "minute": 46}
